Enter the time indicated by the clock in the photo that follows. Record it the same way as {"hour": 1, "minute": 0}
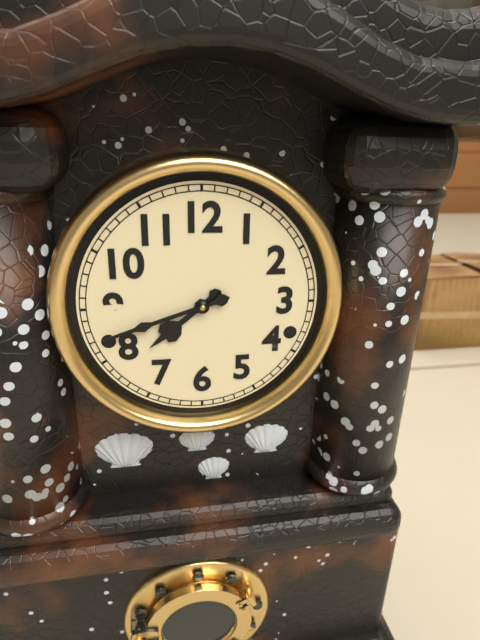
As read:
{"hour": 7, "minute": 42}
